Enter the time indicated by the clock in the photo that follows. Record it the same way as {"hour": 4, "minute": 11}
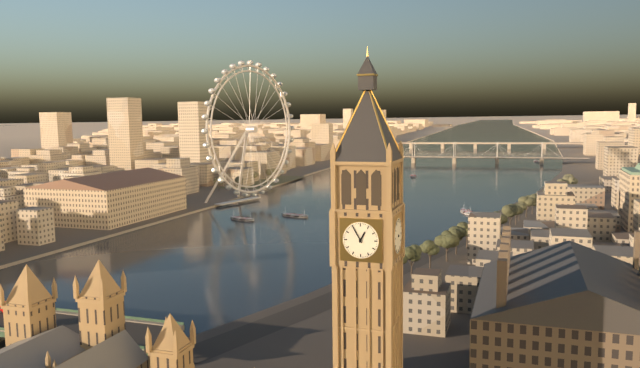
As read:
{"hour": 12, "minute": 55}
